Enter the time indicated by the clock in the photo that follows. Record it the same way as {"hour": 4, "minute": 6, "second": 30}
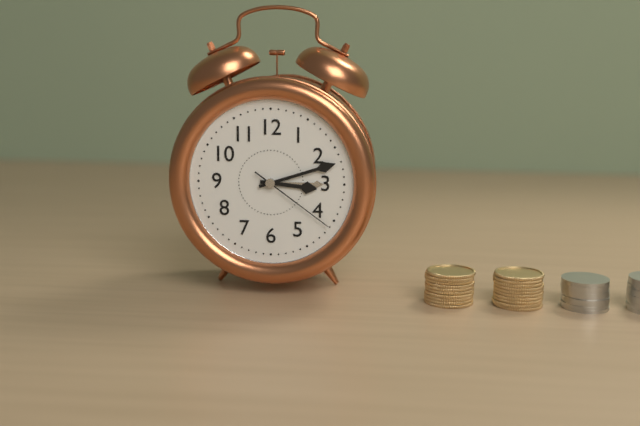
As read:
{"hour": 3, "minute": 12, "second": 21}
